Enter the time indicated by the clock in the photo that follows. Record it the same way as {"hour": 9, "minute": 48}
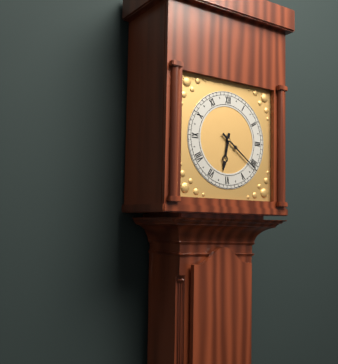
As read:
{"hour": 6, "minute": 21}
